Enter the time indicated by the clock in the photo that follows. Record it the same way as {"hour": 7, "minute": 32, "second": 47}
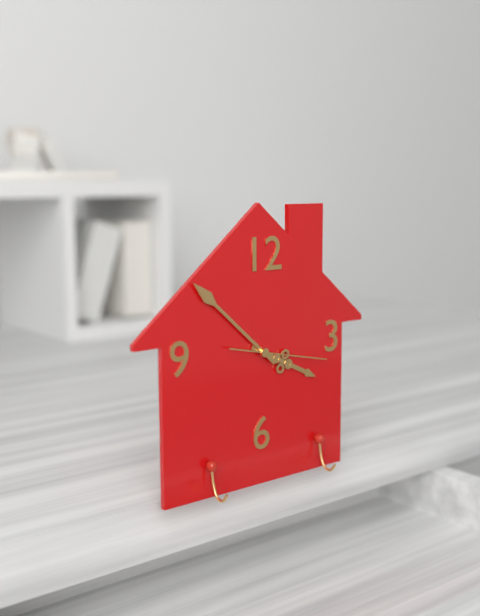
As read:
{"hour": 3, "minute": 52, "second": 17}
